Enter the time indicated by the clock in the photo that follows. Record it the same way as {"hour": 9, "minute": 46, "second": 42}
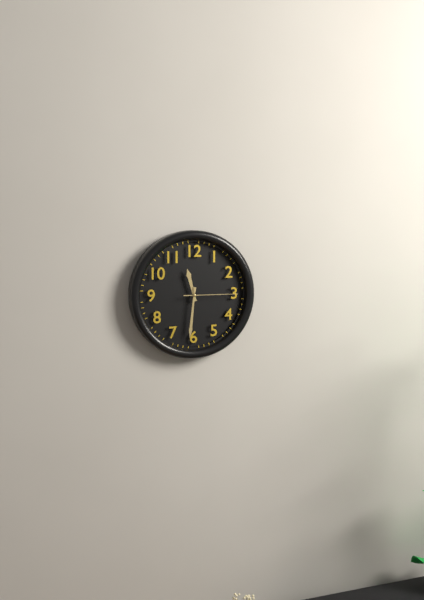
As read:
{"hour": 11, "minute": 31, "second": 15}
